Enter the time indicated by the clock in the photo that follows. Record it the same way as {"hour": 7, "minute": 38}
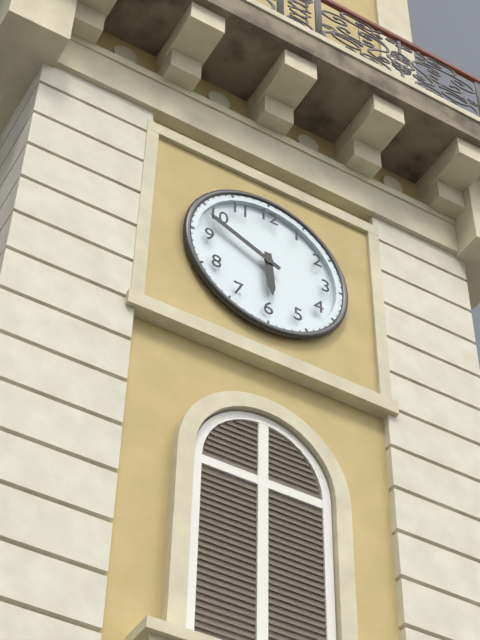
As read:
{"hour": 5, "minute": 49}
